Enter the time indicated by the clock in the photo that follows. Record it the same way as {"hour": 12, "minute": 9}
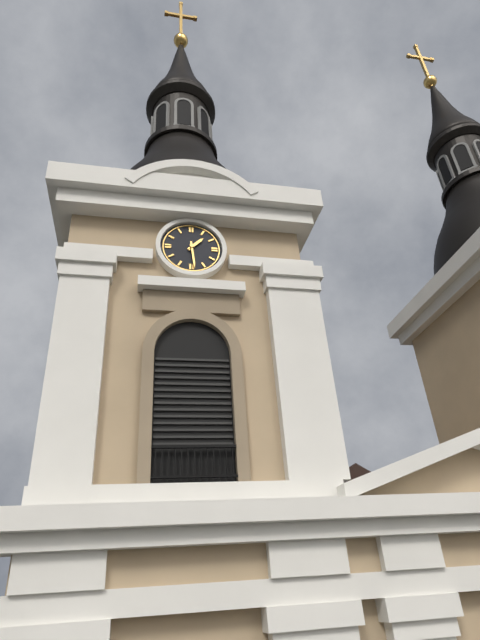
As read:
{"hour": 1, "minute": 29}
